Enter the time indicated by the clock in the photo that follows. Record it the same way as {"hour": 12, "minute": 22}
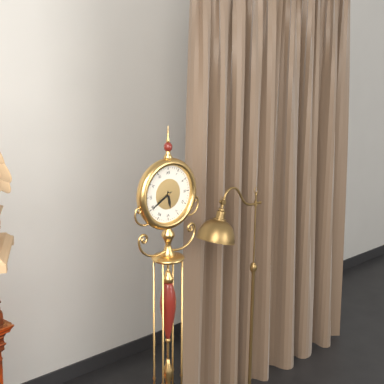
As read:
{"hour": 5, "minute": 40}
